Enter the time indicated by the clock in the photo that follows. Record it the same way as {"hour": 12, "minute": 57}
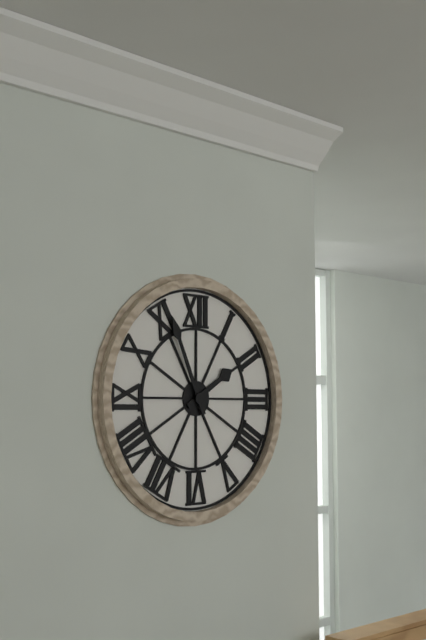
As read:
{"hour": 1, "minute": 56}
